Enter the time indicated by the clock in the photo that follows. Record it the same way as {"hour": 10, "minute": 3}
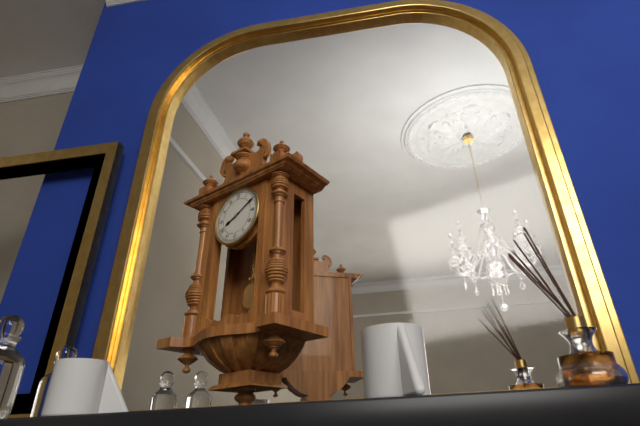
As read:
{"hour": 8, "minute": 10}
